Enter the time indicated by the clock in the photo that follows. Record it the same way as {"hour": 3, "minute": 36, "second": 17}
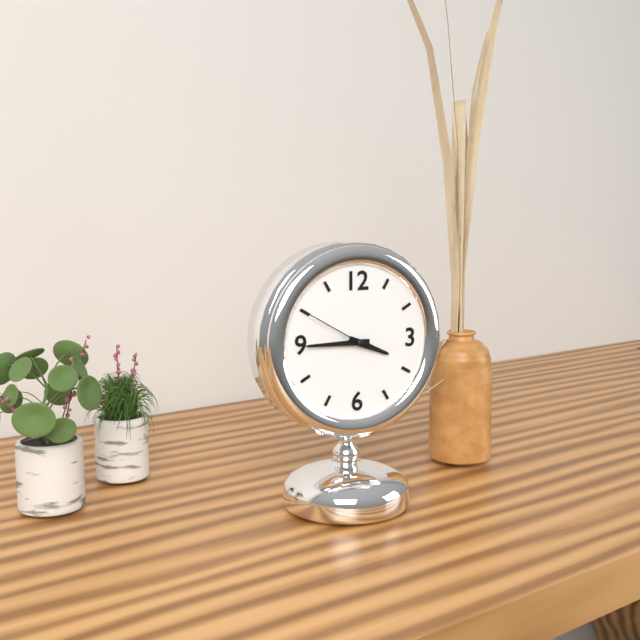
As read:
{"hour": 3, "minute": 45, "second": 50}
